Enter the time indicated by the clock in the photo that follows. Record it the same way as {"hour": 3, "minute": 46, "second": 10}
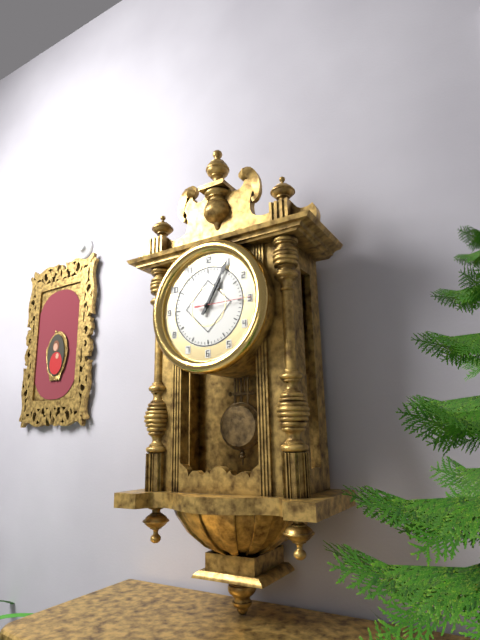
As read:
{"hour": 1, "minute": 5, "second": 15}
